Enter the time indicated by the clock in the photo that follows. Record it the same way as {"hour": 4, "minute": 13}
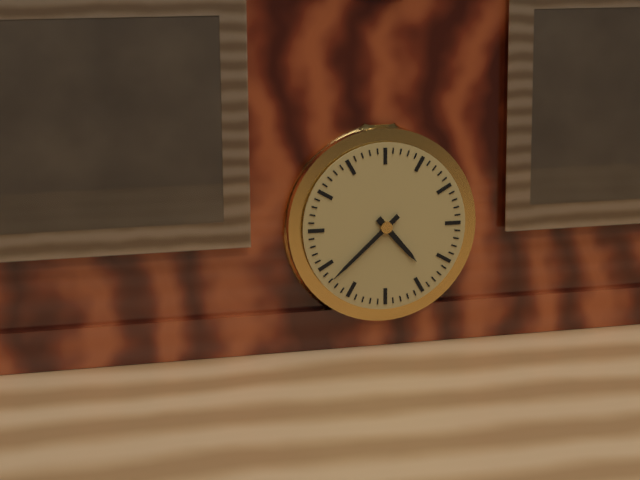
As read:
{"hour": 4, "minute": 38}
